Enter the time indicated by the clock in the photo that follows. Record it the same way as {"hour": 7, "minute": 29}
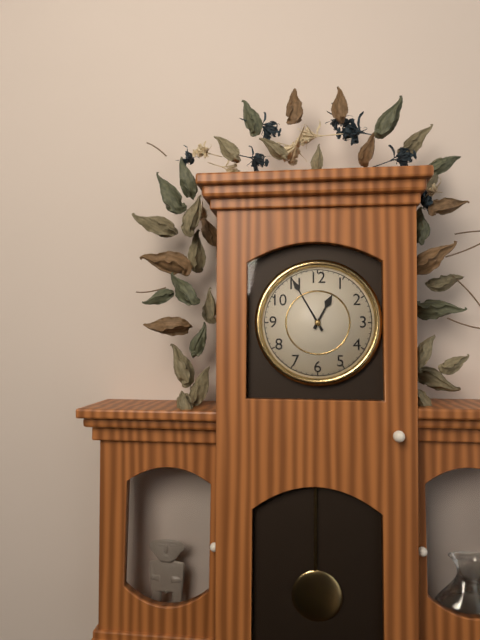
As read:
{"hour": 12, "minute": 55}
